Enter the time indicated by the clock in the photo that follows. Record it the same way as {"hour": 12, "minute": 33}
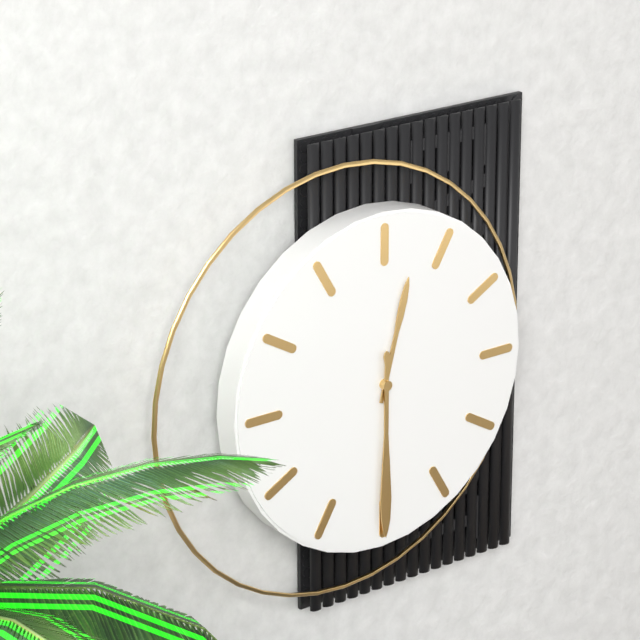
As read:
{"hour": 12, "minute": 30}
